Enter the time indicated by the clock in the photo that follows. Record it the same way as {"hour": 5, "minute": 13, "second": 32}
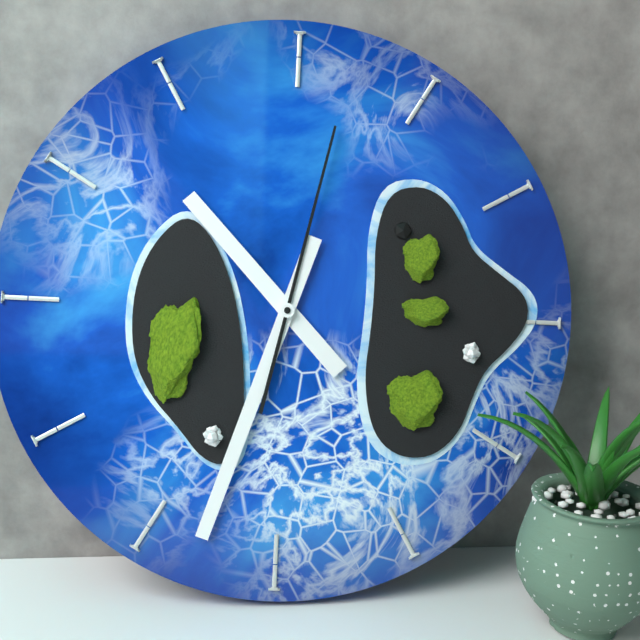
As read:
{"hour": 10, "minute": 33, "second": 2}
